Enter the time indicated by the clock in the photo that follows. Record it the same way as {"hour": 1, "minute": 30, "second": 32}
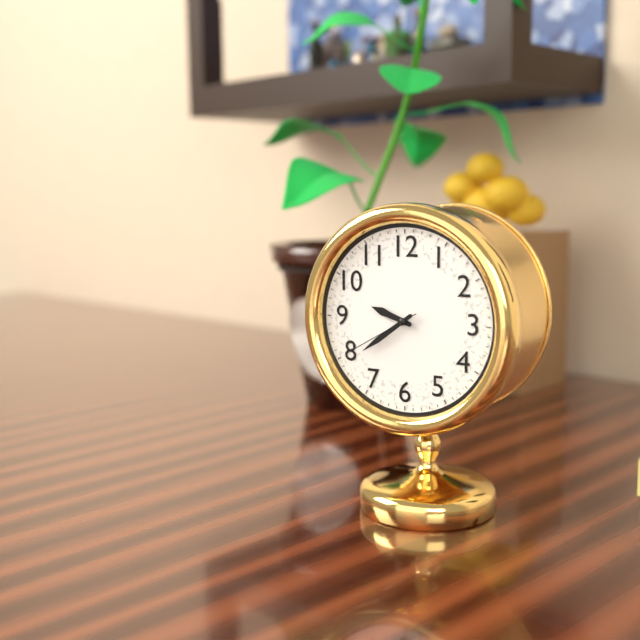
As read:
{"hour": 9, "minute": 39, "second": 40}
